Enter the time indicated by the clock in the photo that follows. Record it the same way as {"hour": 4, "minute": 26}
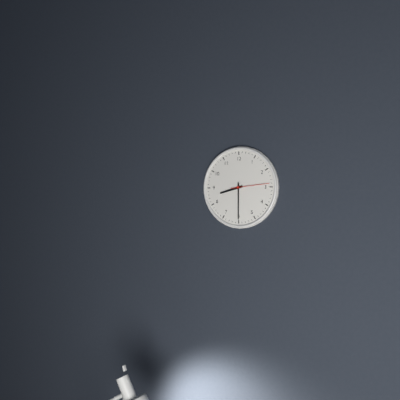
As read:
{"hour": 8, "minute": 30}
